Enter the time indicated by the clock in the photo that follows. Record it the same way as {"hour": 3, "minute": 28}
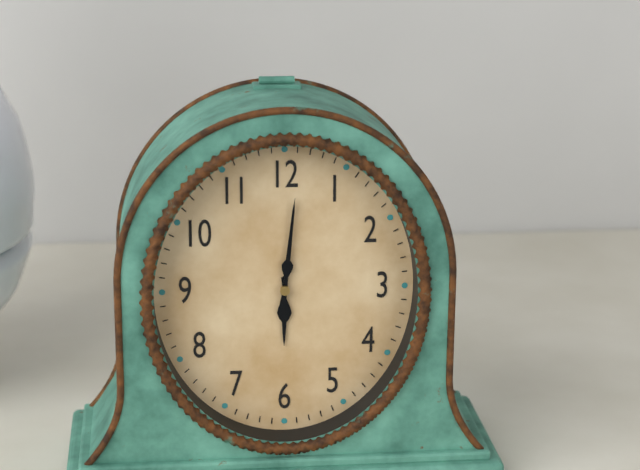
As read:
{"hour": 6, "minute": 1}
